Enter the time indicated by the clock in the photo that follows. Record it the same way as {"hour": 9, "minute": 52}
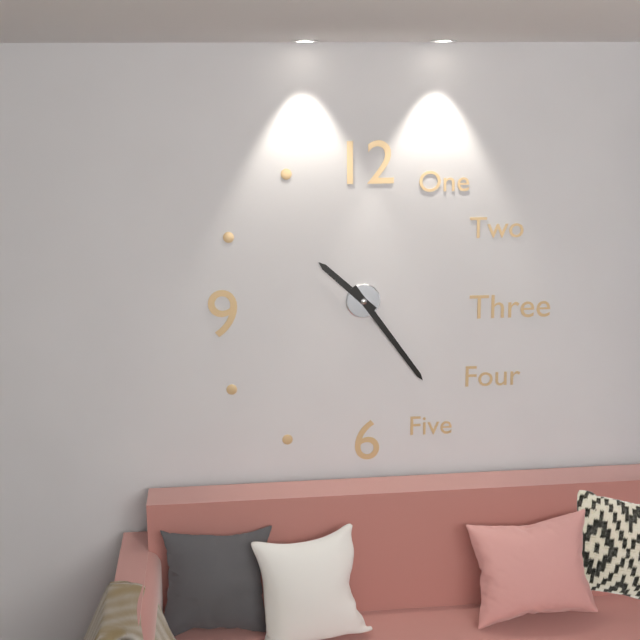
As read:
{"hour": 10, "minute": 24}
